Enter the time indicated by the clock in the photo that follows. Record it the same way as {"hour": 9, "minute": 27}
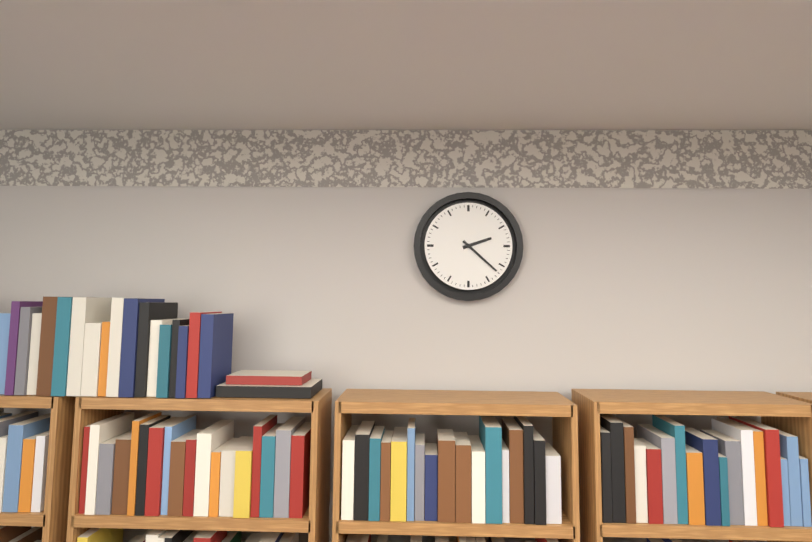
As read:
{"hour": 2, "minute": 22}
